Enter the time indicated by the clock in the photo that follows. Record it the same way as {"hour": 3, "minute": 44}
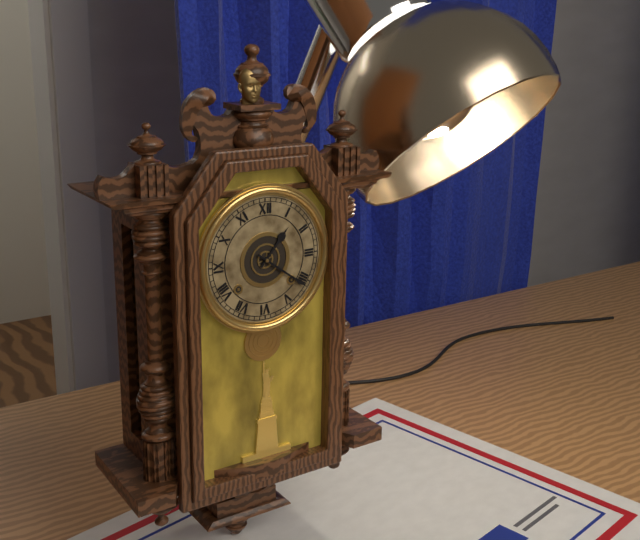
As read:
{"hour": 1, "minute": 21}
